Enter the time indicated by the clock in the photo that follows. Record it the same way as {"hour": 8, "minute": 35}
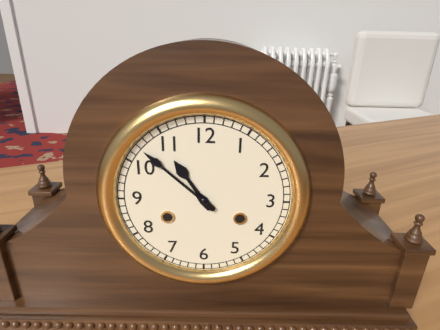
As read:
{"hour": 10, "minute": 52}
